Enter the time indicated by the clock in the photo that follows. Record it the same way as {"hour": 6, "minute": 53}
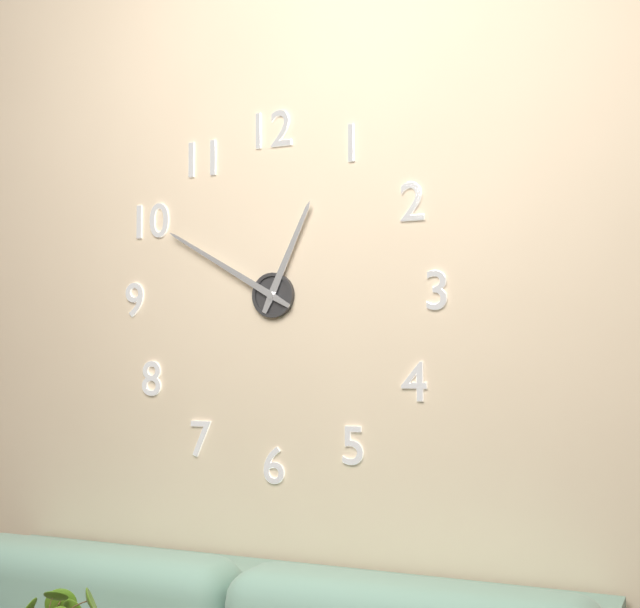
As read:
{"hour": 12, "minute": 50}
